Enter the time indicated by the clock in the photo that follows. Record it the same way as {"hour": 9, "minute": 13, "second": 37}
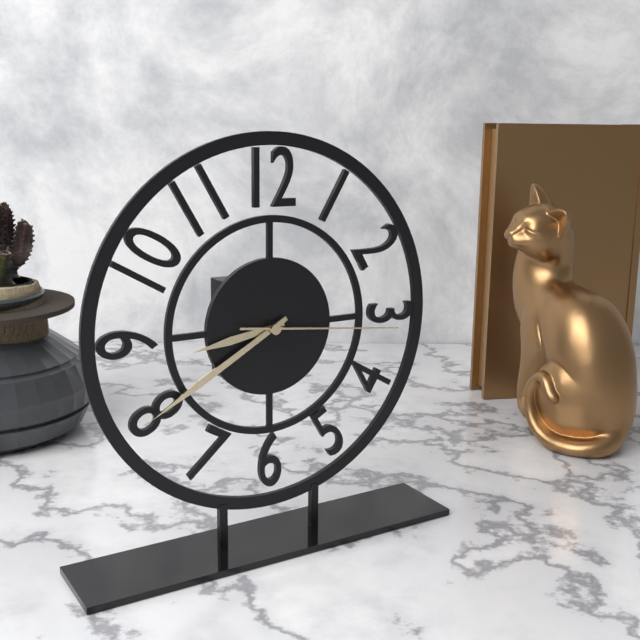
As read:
{"hour": 8, "minute": 40, "second": 16}
